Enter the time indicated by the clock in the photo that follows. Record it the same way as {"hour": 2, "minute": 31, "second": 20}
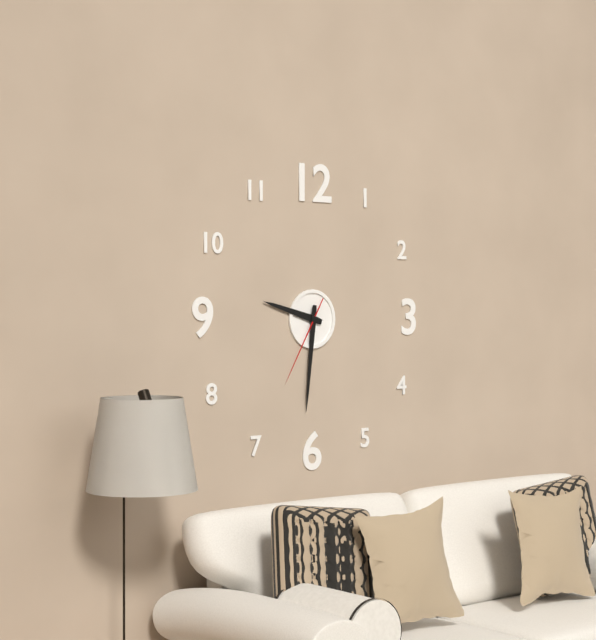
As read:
{"hour": 9, "minute": 31, "second": 35}
